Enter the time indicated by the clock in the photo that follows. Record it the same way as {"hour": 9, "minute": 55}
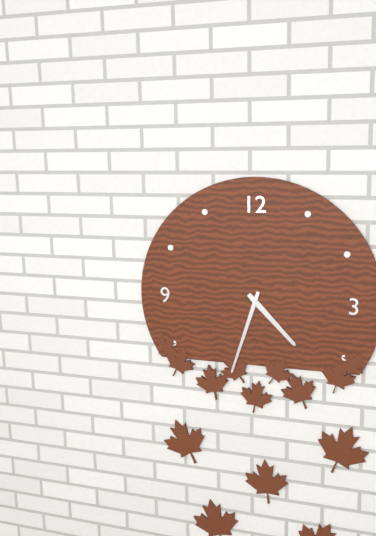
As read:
{"hour": 4, "minute": 33}
